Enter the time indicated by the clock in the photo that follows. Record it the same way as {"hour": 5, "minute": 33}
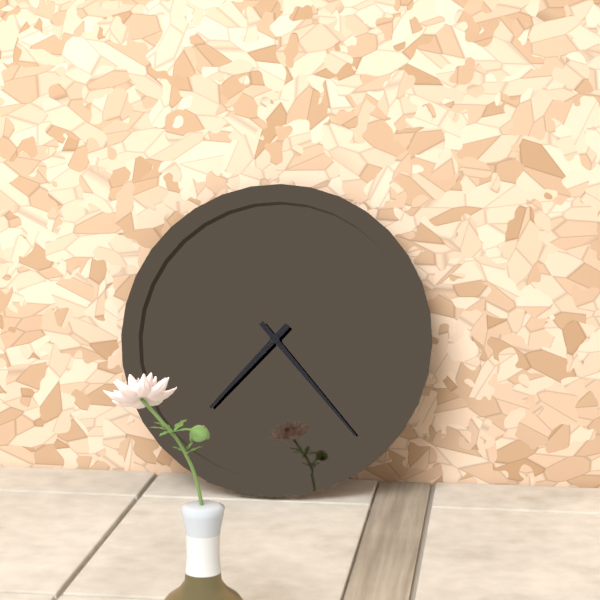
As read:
{"hour": 7, "minute": 23}
